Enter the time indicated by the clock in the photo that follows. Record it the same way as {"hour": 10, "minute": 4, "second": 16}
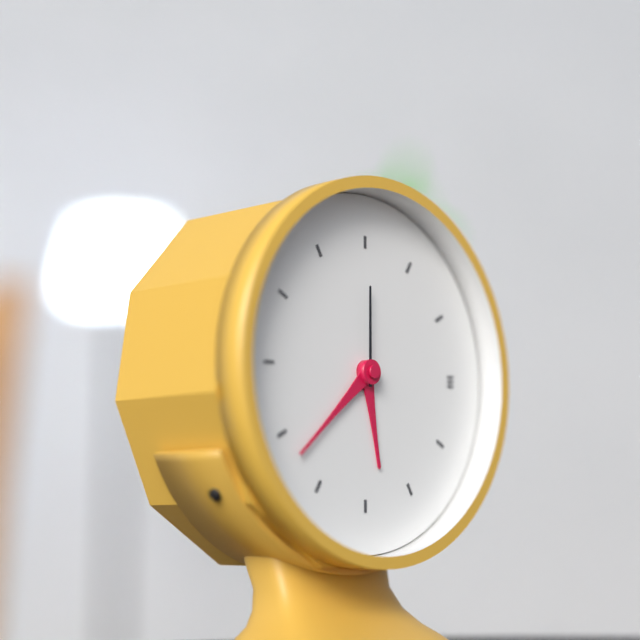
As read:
{"hour": 5, "minute": 38, "second": 0}
